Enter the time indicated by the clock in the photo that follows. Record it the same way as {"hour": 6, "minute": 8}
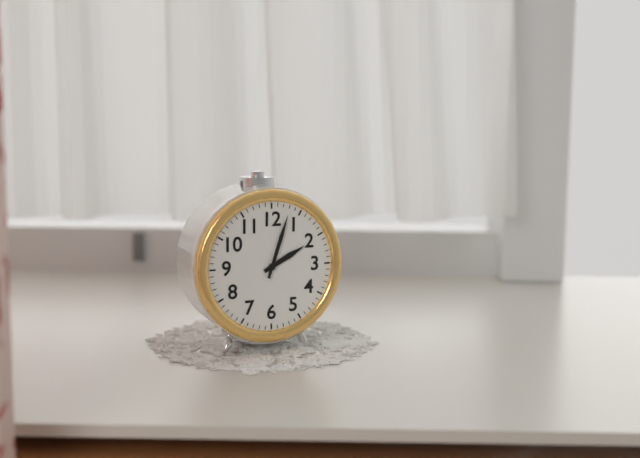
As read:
{"hour": 2, "minute": 3}
